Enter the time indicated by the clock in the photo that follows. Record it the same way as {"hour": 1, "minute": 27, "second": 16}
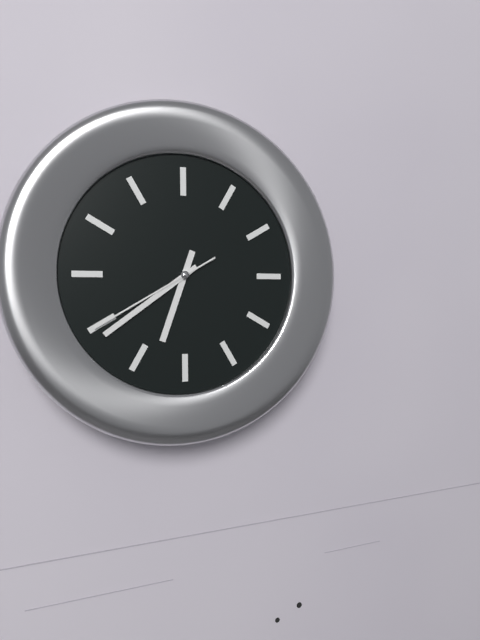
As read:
{"hour": 6, "minute": 39, "second": 40}
